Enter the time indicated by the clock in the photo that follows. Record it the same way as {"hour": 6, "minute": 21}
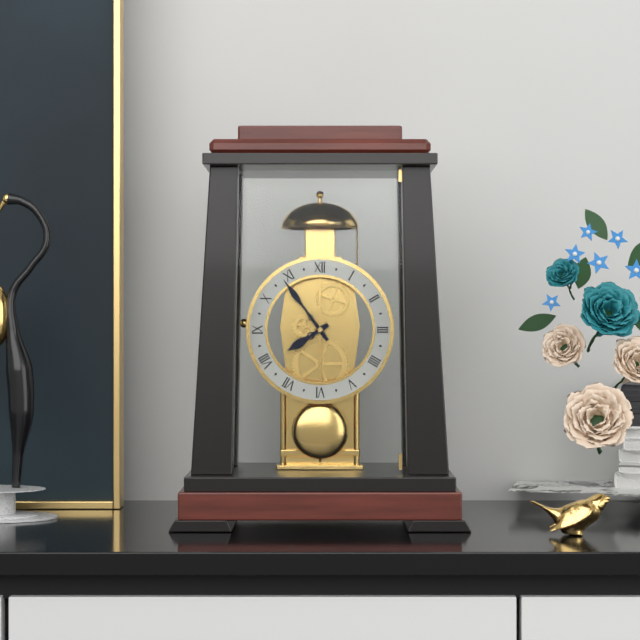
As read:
{"hour": 7, "minute": 54}
